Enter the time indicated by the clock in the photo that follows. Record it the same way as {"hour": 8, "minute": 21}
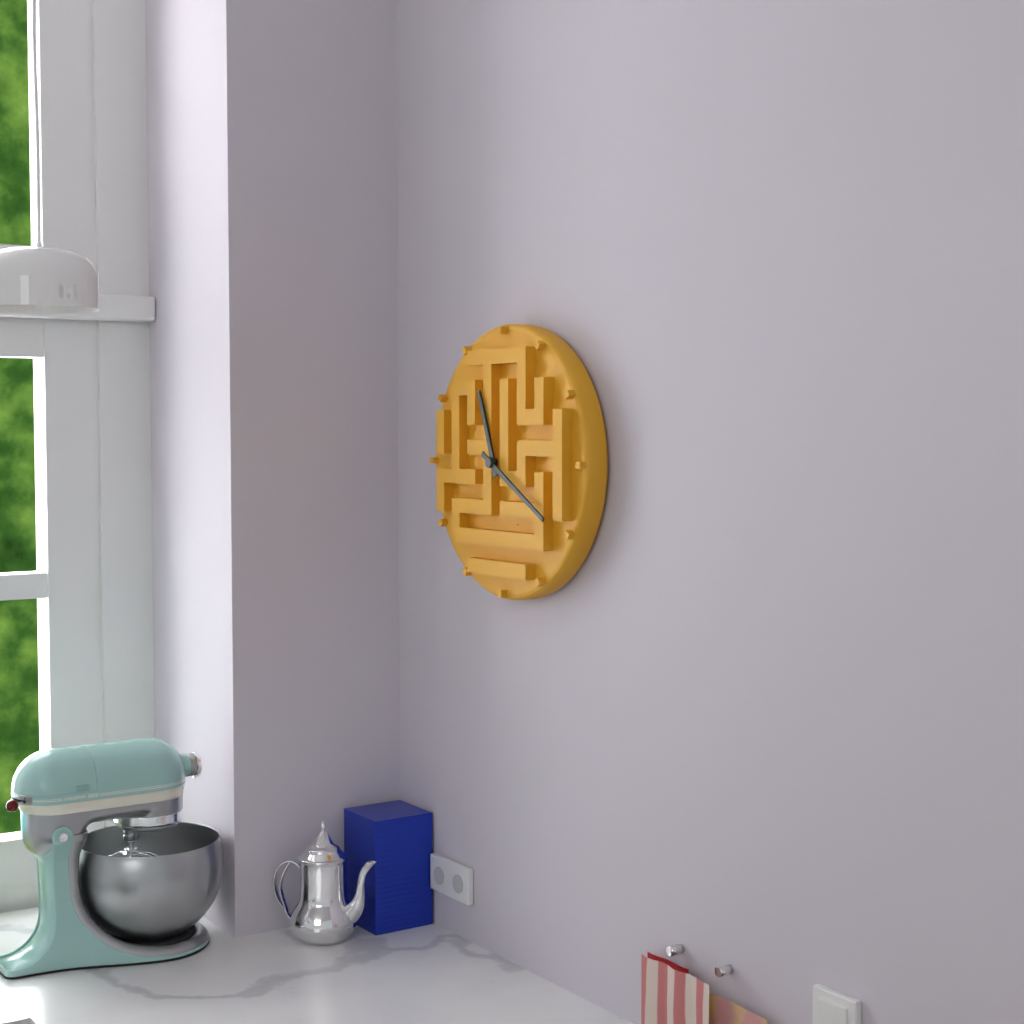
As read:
{"hour": 11, "minute": 20}
